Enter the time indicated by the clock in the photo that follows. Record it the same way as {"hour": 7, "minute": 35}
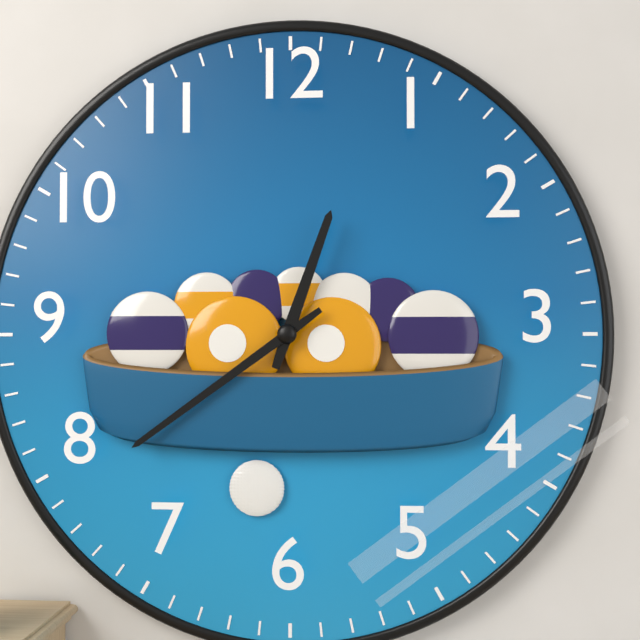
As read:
{"hour": 12, "minute": 39}
